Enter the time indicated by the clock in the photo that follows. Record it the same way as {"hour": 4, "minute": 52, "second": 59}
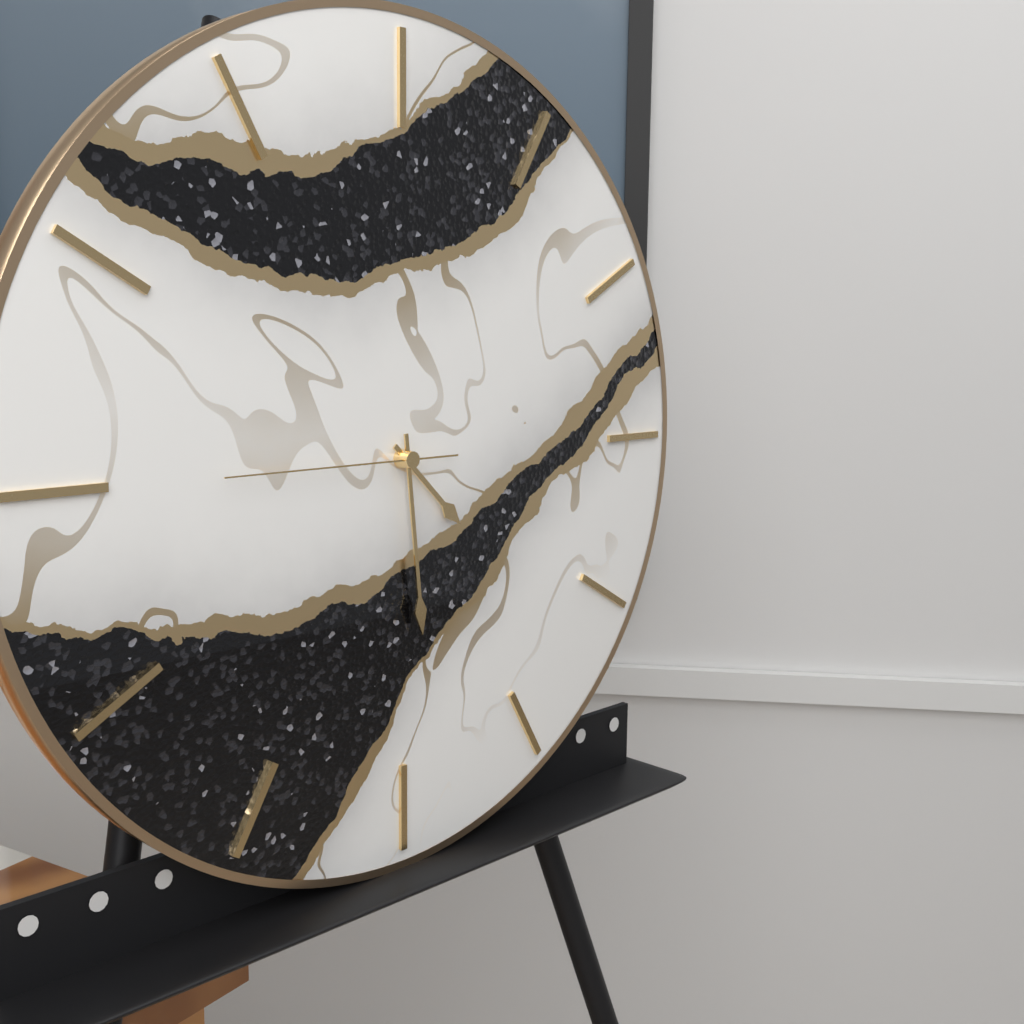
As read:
{"hour": 4, "minute": 29, "second": 45}
